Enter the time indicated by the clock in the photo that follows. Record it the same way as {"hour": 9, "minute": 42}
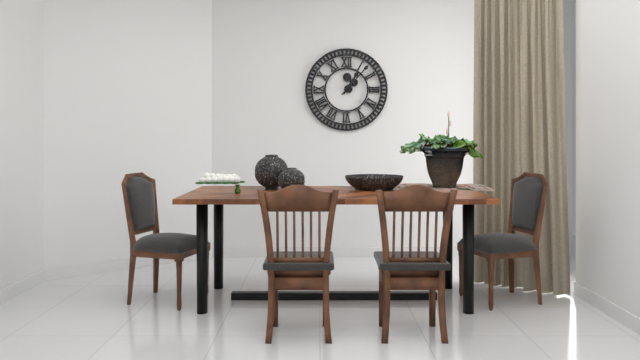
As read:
{"hour": 1, "minute": 7}
